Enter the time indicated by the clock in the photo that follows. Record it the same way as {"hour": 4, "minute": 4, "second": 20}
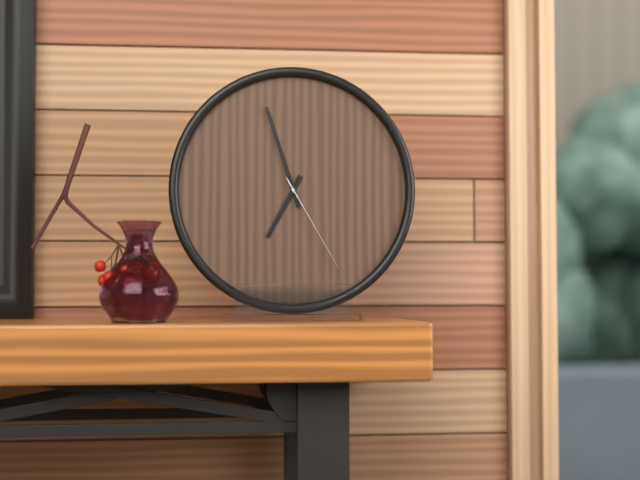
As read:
{"hour": 6, "minute": 57, "second": 25}
